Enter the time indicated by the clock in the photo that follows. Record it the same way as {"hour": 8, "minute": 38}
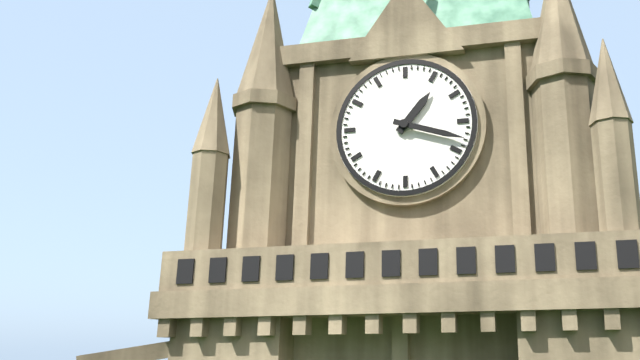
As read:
{"hour": 1, "minute": 18}
